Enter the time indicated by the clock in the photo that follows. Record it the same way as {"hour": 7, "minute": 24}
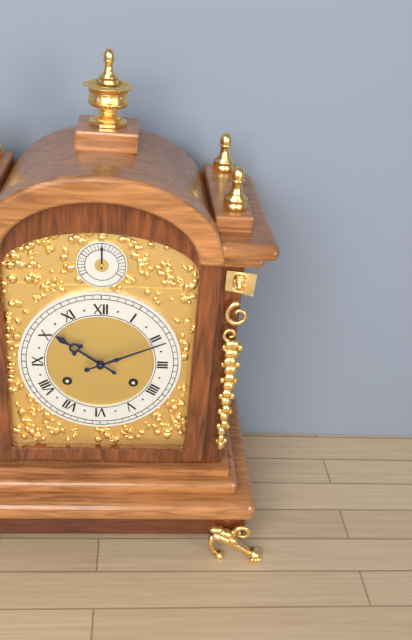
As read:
{"hour": 10, "minute": 11}
